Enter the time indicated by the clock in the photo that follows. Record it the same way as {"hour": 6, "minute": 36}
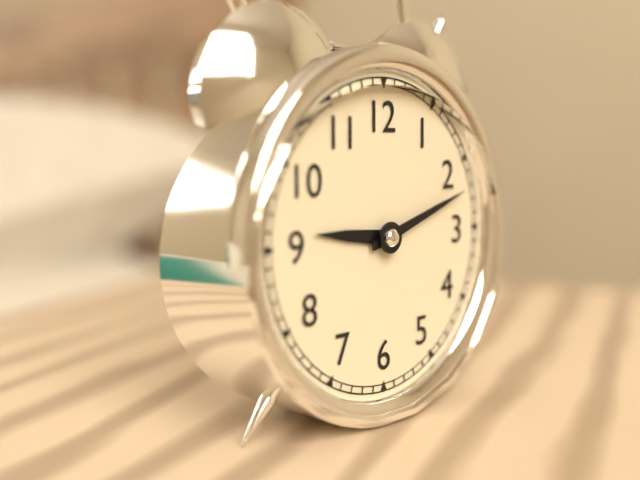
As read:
{"hour": 9, "minute": 12}
